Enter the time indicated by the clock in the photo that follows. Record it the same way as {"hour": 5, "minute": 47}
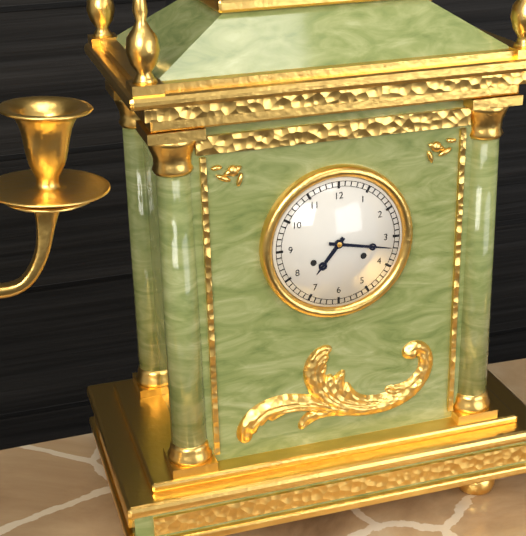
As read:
{"hour": 7, "minute": 17}
